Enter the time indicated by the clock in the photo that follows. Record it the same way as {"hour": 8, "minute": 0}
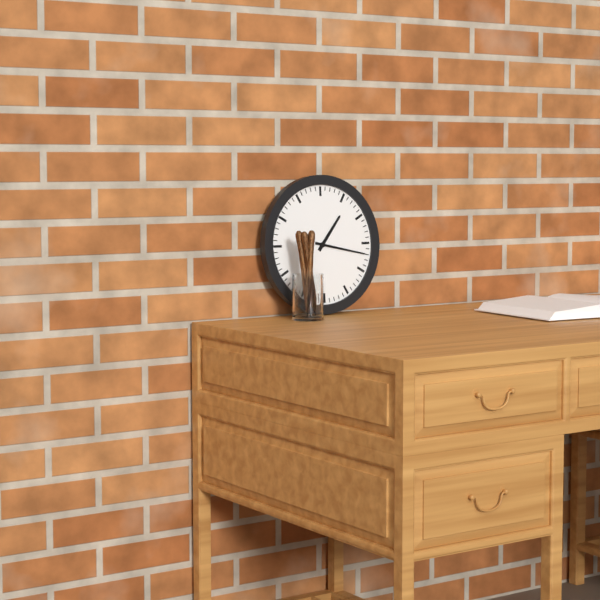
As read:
{"hour": 1, "minute": 17}
